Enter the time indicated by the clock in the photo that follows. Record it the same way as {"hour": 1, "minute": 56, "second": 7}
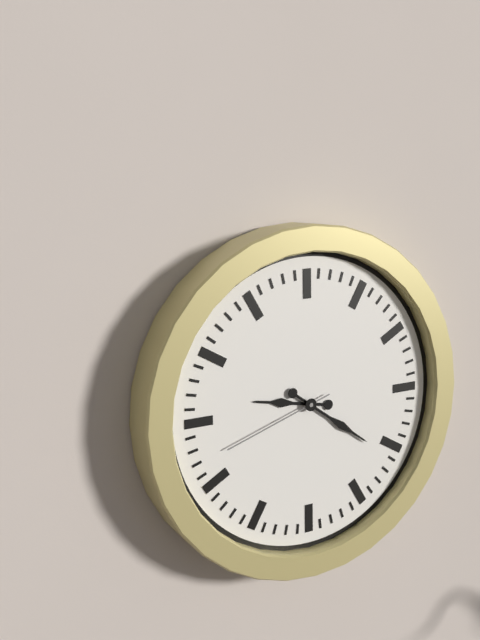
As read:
{"hour": 9, "minute": 21, "second": 42}
